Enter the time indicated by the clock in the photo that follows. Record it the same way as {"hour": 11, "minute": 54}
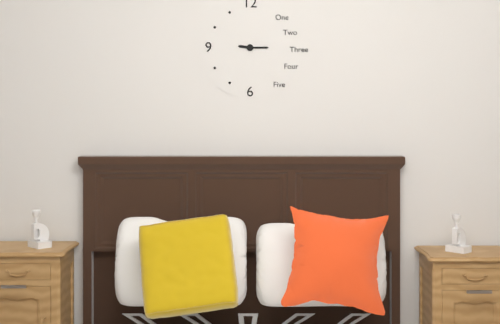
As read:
{"hour": 9, "minute": 15}
